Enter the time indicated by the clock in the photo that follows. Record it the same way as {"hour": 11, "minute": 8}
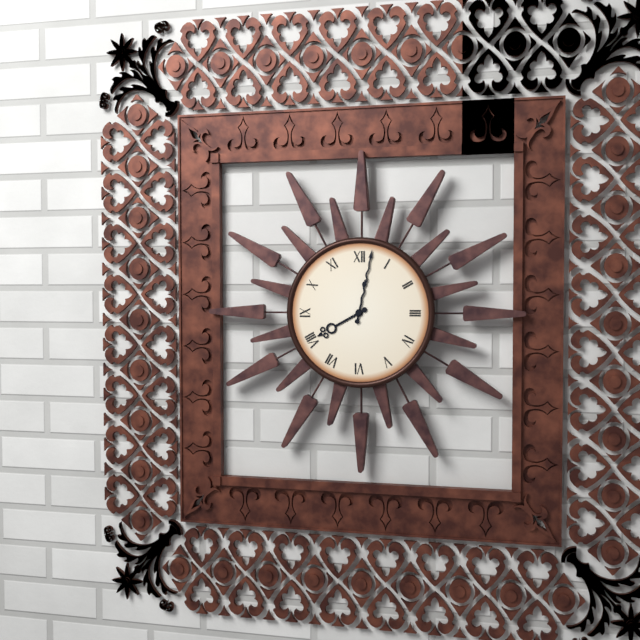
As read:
{"hour": 8, "minute": 2}
